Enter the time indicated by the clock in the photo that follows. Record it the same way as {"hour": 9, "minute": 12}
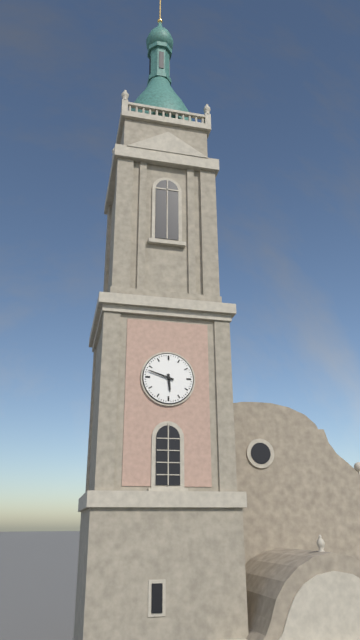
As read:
{"hour": 5, "minute": 48}
